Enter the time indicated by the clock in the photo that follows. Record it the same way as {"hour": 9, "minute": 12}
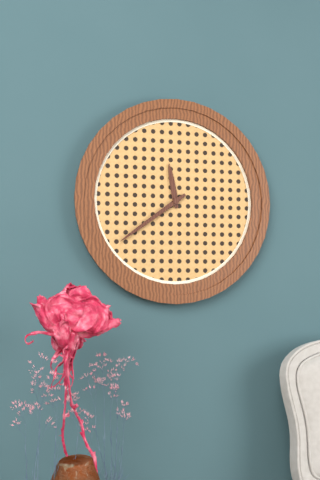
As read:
{"hour": 11, "minute": 39}
